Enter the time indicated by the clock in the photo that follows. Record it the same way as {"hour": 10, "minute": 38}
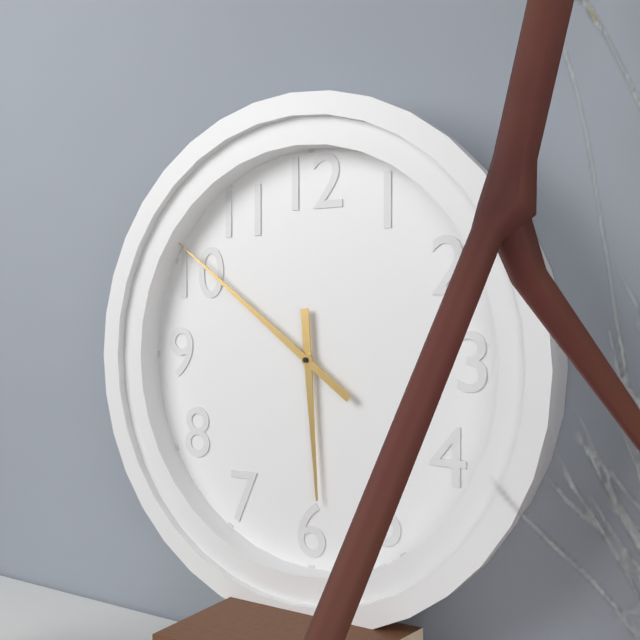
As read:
{"hour": 5, "minute": 51}
